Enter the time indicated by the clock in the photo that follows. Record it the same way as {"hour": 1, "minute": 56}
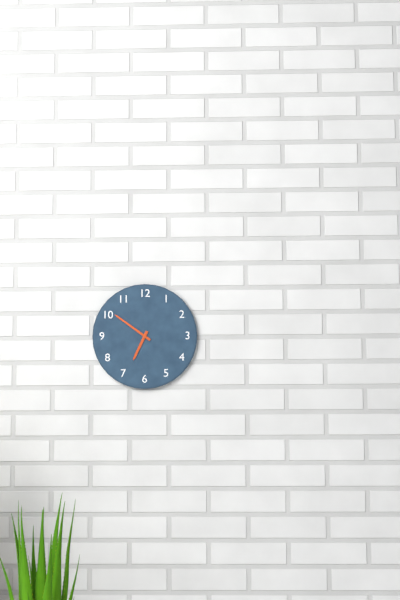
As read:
{"hour": 6, "minute": 51}
